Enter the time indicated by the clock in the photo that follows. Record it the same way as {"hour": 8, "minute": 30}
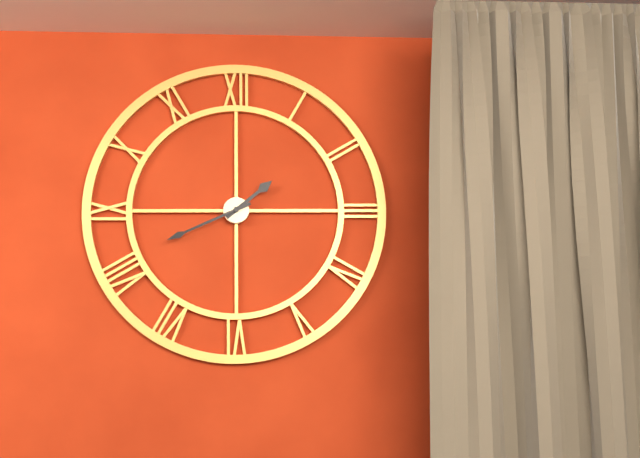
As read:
{"hour": 1, "minute": 41}
